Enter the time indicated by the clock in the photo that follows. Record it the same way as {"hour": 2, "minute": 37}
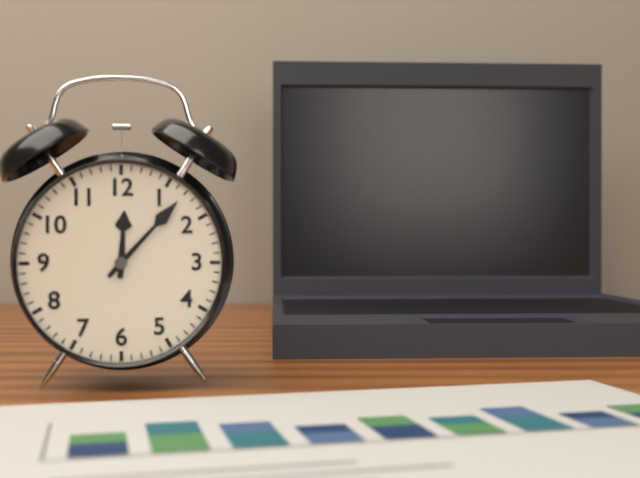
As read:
{"hour": 12, "minute": 7}
